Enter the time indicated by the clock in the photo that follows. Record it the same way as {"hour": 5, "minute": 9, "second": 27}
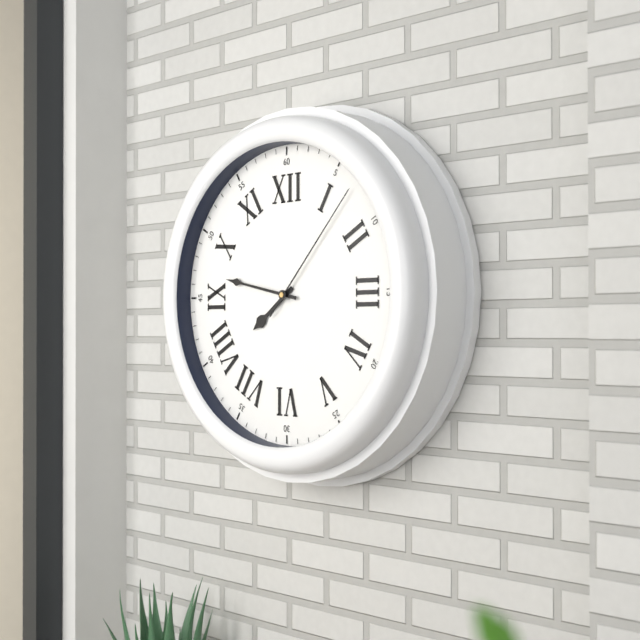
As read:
{"hour": 7, "minute": 47, "second": 7}
